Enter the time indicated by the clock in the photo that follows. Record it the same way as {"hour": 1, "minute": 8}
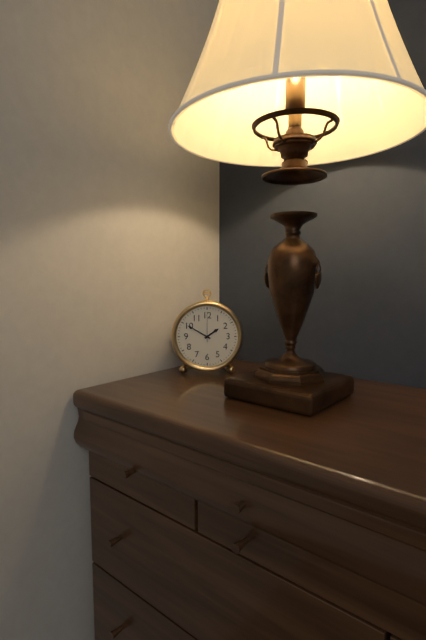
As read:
{"hour": 1, "minute": 50}
